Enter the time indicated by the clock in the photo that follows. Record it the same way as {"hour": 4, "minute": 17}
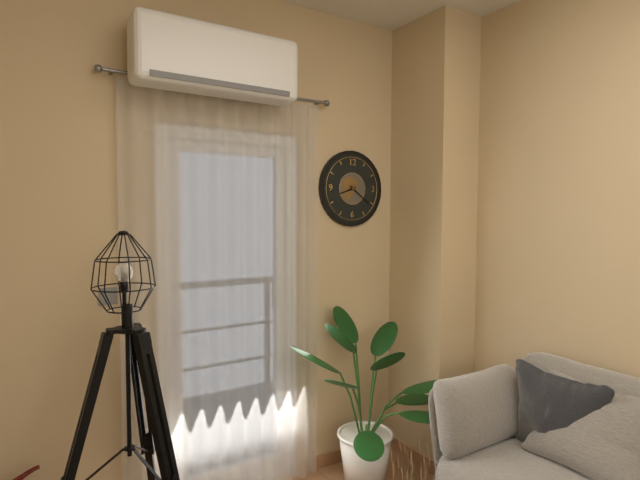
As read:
{"hour": 8, "minute": 21}
